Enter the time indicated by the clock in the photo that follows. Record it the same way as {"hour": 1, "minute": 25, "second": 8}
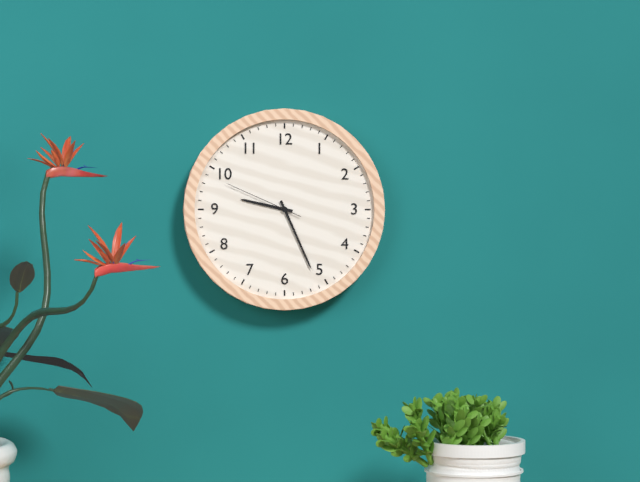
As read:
{"hour": 9, "minute": 26, "second": 49}
